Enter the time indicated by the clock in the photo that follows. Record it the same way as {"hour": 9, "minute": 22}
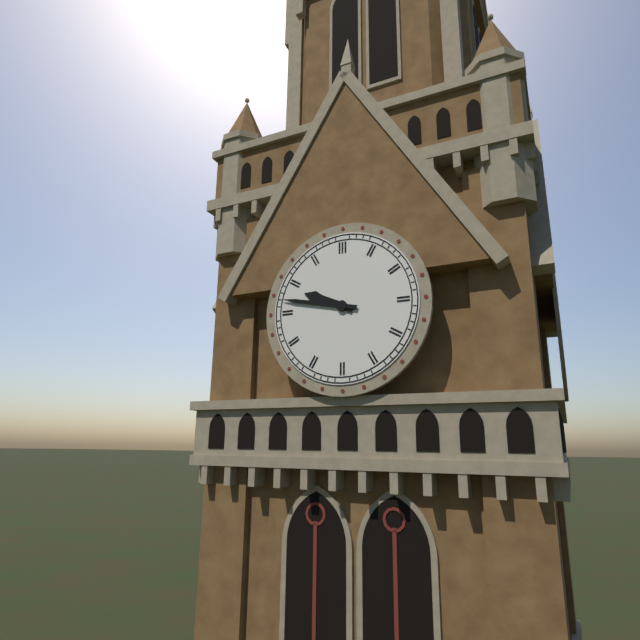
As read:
{"hour": 9, "minute": 47}
